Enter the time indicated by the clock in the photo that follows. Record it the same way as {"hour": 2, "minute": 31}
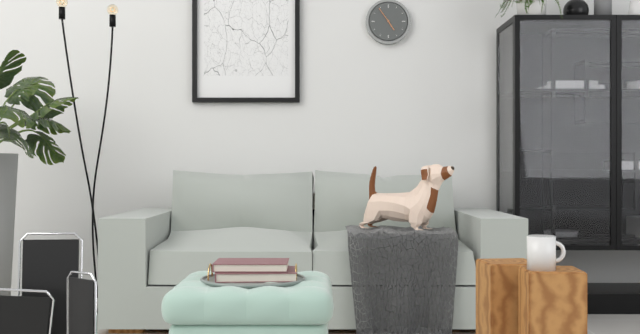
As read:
{"hour": 4, "minute": 54}
